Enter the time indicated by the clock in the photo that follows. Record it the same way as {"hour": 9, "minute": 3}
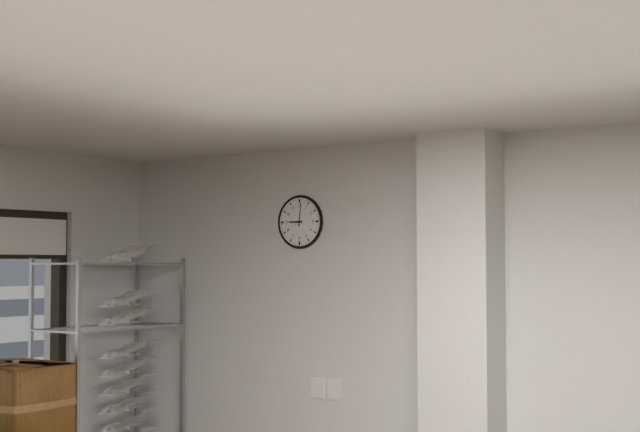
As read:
{"hour": 9, "minute": 1}
